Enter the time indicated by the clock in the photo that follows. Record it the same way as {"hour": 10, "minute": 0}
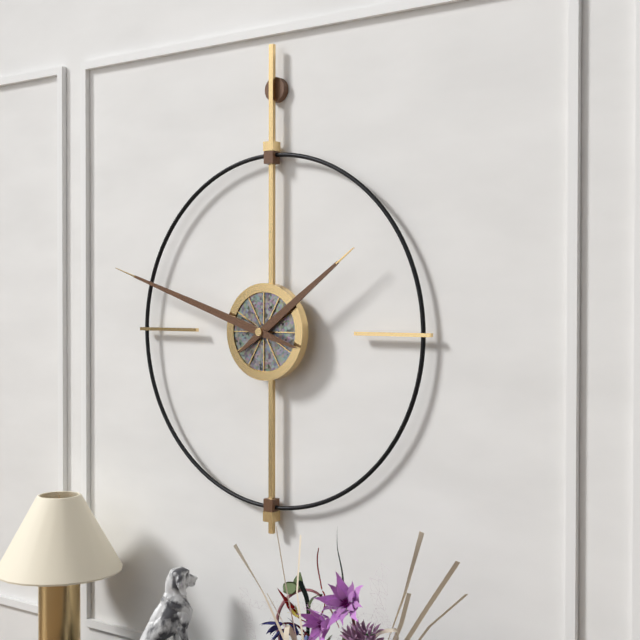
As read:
{"hour": 1, "minute": 48}
